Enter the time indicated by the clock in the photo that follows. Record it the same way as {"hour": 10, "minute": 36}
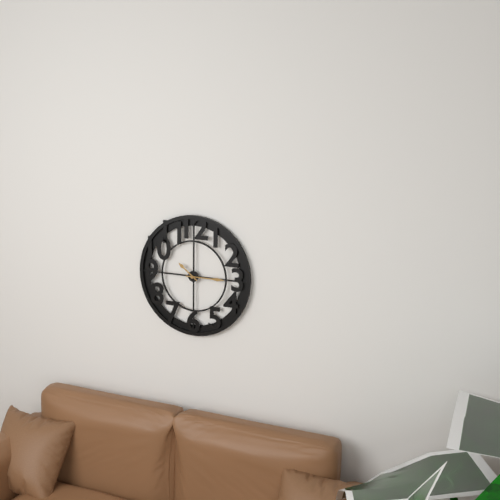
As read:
{"hour": 10, "minute": 15}
